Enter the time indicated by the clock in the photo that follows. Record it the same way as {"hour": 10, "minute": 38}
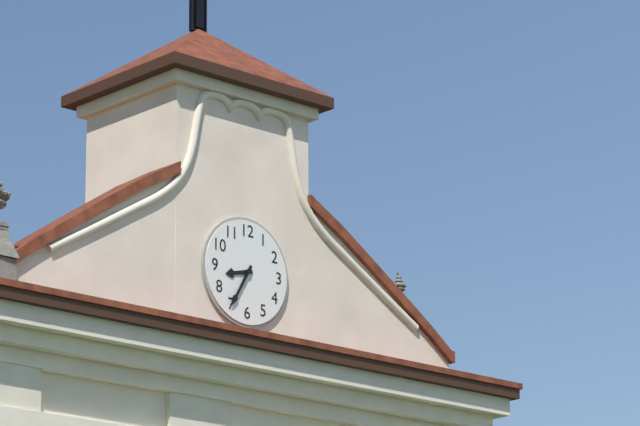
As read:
{"hour": 8, "minute": 35}
